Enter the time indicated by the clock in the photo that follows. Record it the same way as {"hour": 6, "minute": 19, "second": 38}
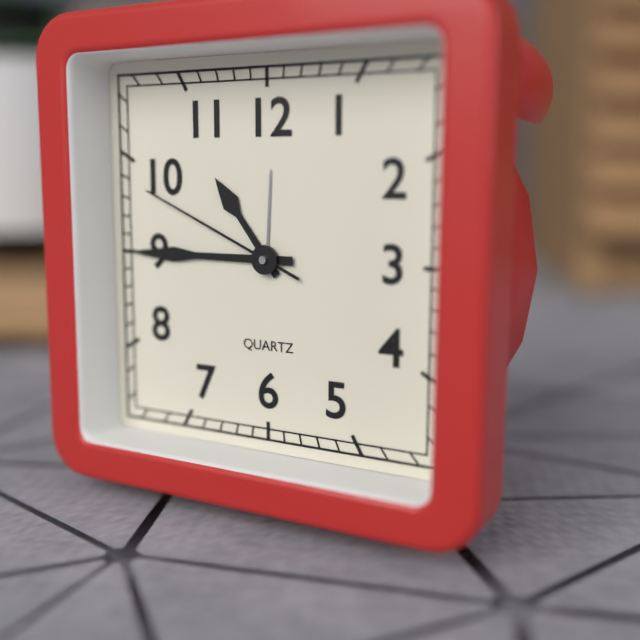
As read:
{"hour": 10, "minute": 45, "second": 49}
